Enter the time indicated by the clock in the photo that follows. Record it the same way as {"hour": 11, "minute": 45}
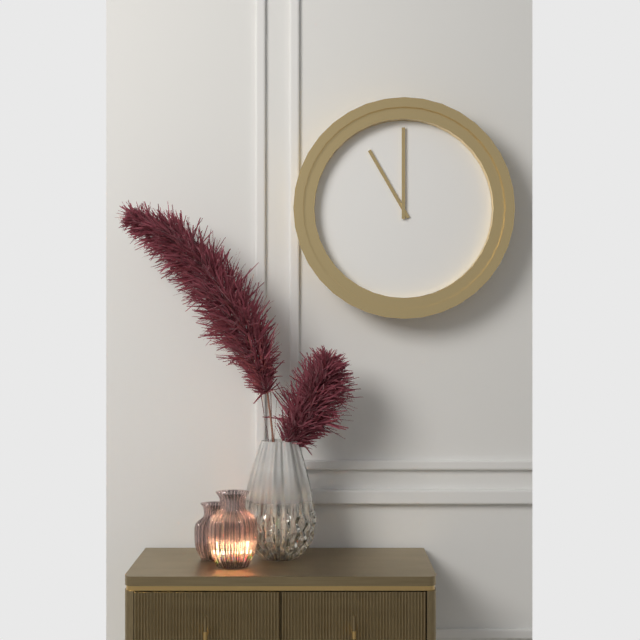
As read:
{"hour": 11, "minute": 0}
